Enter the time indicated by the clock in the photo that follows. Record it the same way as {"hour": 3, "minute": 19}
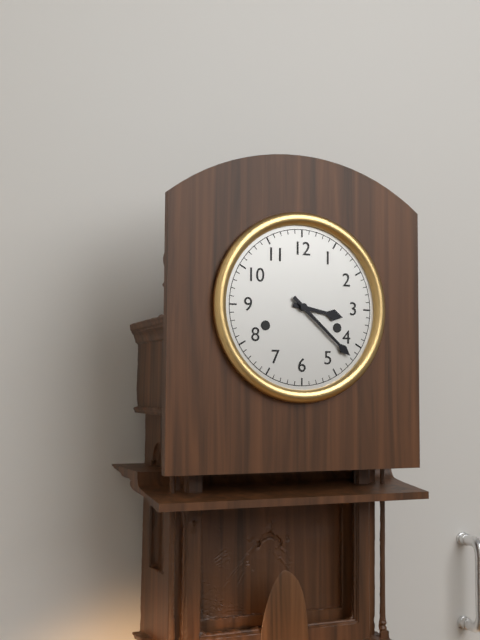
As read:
{"hour": 3, "minute": 22}
